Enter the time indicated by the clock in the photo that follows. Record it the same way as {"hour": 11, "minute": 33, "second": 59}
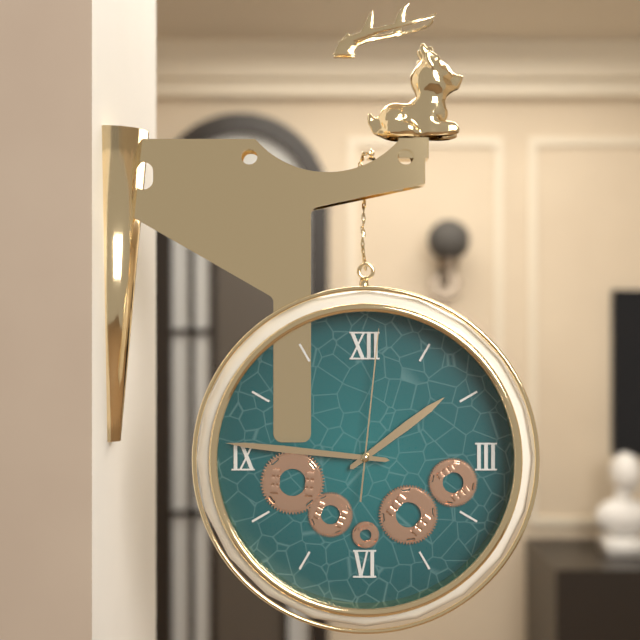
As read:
{"hour": 1, "minute": 46, "second": 1}
